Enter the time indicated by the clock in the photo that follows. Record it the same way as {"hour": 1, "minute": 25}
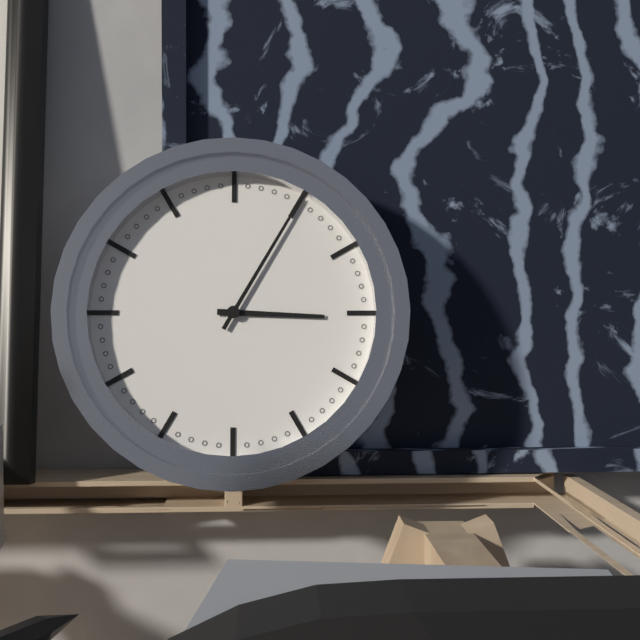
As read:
{"hour": 3, "minute": 5}
